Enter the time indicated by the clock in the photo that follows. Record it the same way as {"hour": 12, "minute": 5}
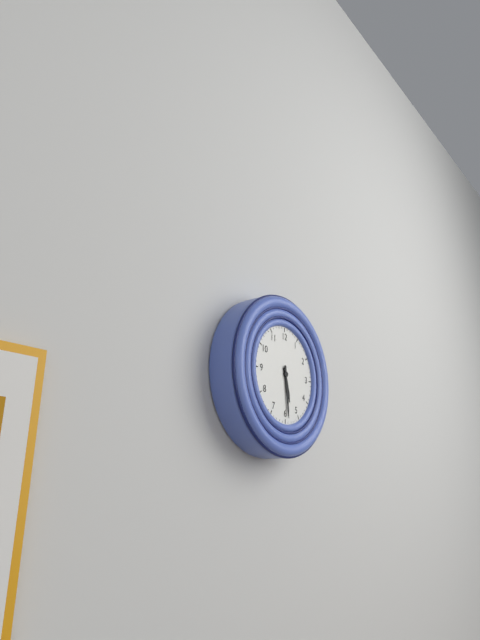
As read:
{"hour": 5, "minute": 29}
